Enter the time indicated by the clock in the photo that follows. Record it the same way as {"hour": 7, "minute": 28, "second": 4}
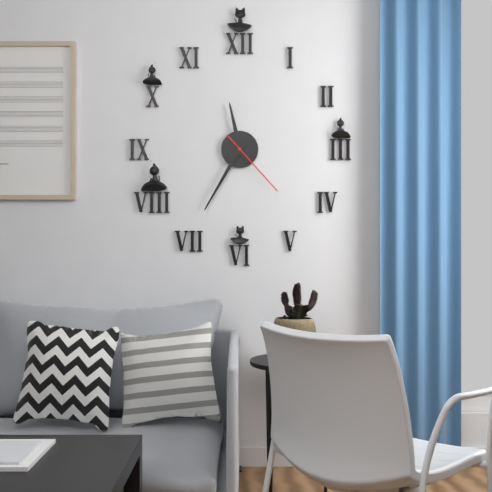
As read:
{"hour": 11, "minute": 35, "second": 23}
